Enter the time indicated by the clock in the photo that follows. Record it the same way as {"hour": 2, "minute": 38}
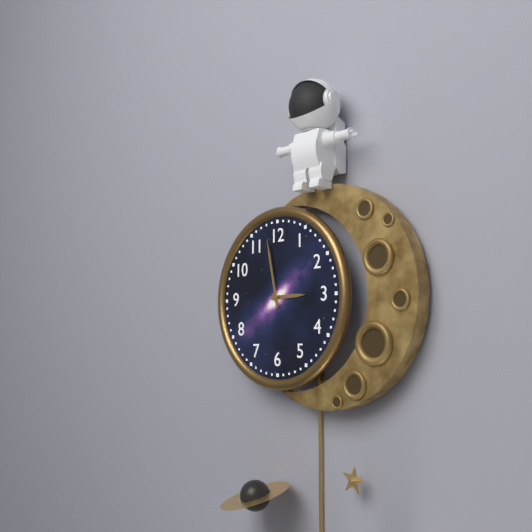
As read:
{"hour": 2, "minute": 58}
